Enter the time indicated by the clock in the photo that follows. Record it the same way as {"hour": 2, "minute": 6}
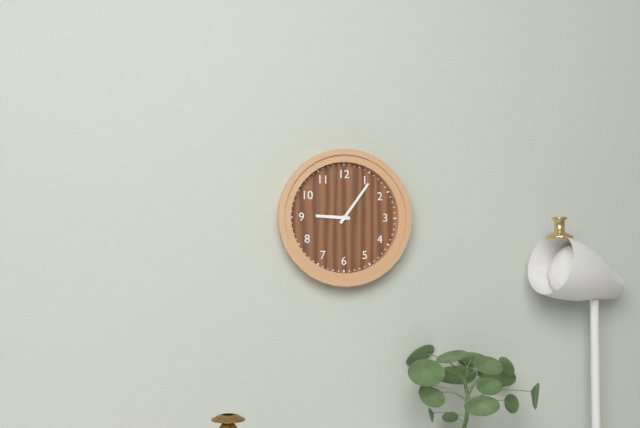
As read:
{"hour": 9, "minute": 6}
